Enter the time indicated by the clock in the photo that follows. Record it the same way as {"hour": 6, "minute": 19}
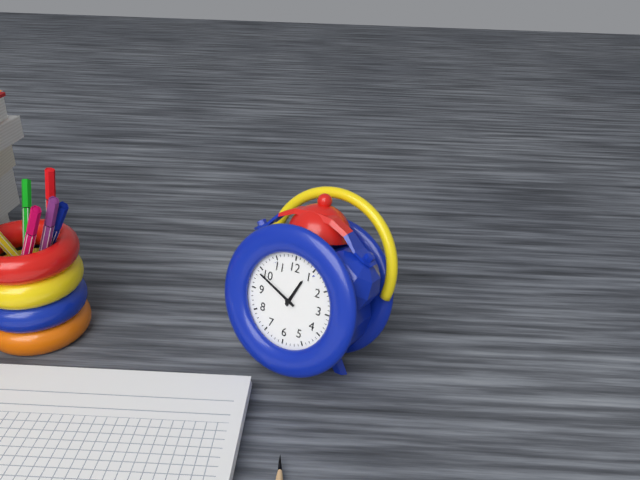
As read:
{"hour": 12, "minute": 49}
